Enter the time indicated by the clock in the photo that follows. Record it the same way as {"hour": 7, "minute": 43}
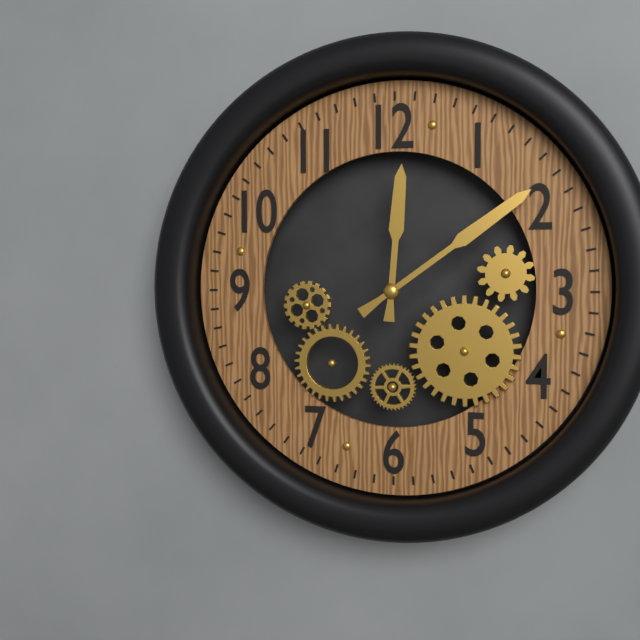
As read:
{"hour": 12, "minute": 9}
